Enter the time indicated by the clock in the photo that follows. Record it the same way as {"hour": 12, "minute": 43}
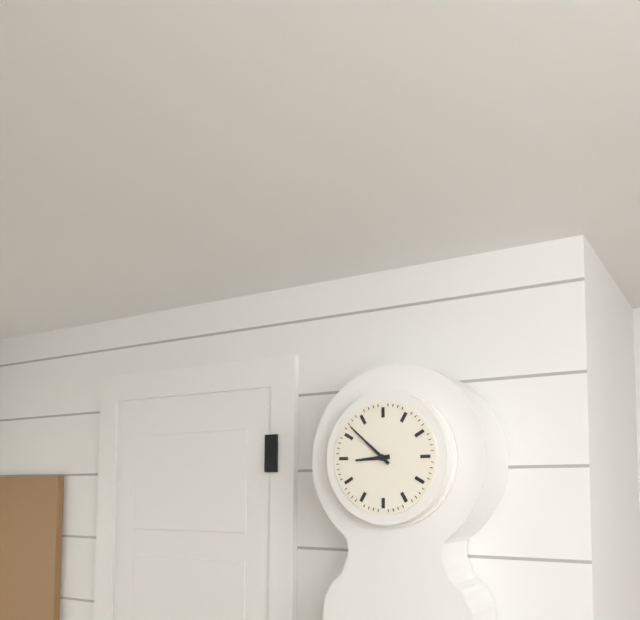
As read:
{"hour": 8, "minute": 52}
